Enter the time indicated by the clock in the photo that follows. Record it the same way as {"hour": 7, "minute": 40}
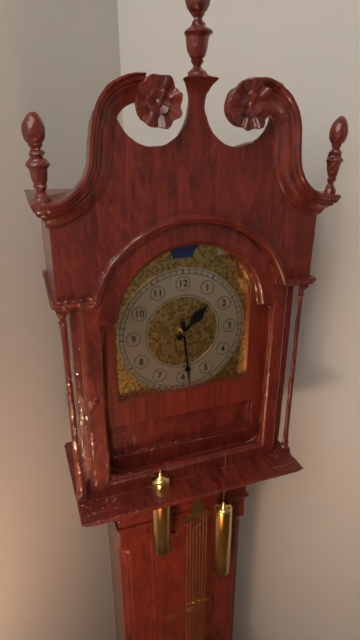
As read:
{"hour": 1, "minute": 29}
